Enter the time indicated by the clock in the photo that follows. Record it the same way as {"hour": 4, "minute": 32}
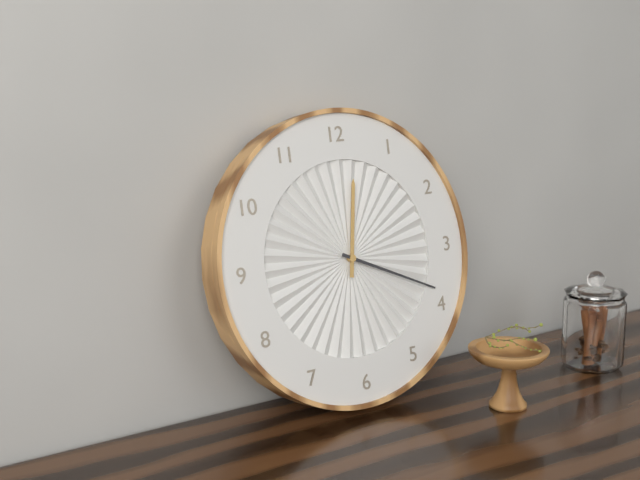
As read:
{"hour": 12, "minute": 19}
